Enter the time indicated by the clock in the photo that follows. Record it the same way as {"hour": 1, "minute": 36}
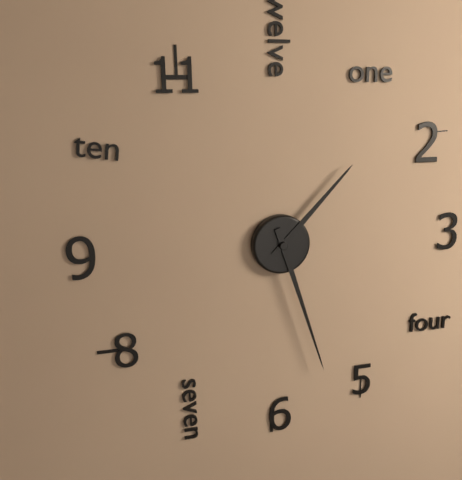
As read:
{"hour": 1, "minute": 27}
